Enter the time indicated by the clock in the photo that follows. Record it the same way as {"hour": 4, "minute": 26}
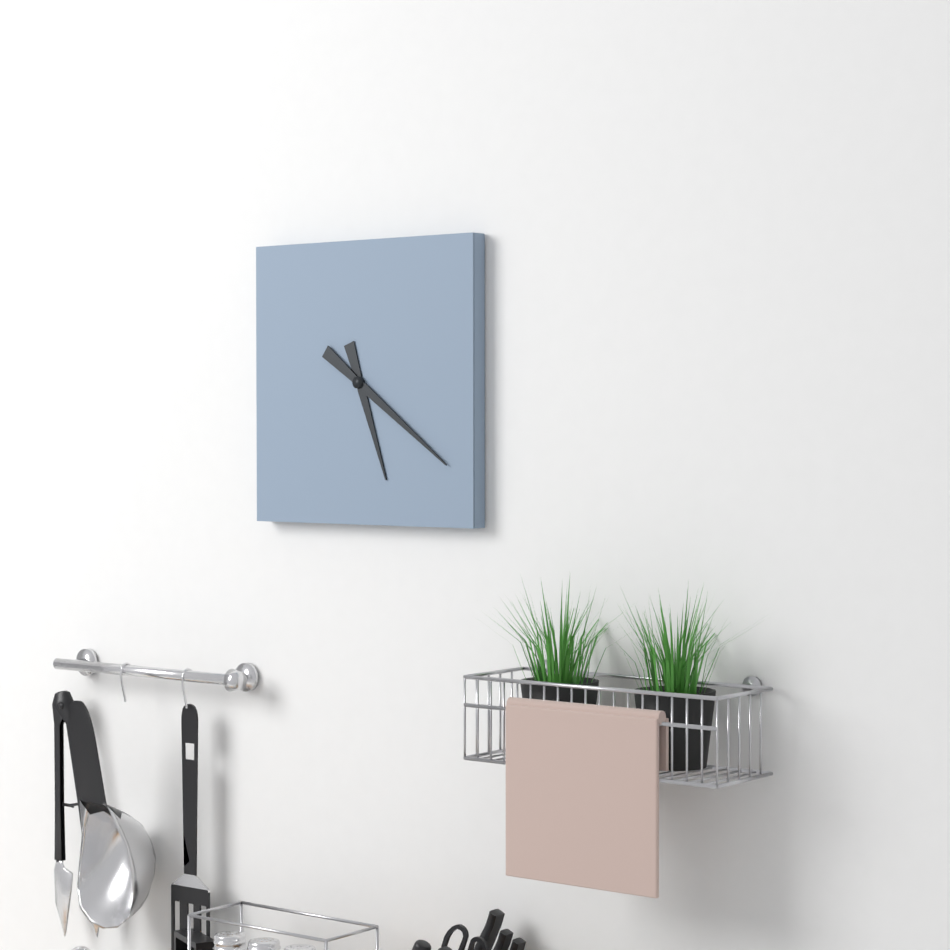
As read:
{"hour": 5, "minute": 21}
